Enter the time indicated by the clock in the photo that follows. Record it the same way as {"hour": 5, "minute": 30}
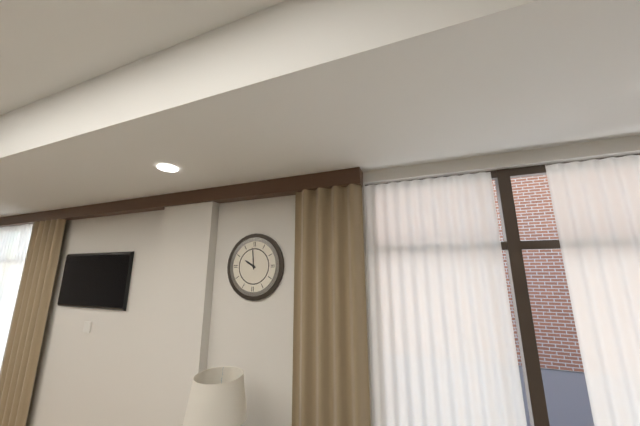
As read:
{"hour": 9, "minute": 59}
